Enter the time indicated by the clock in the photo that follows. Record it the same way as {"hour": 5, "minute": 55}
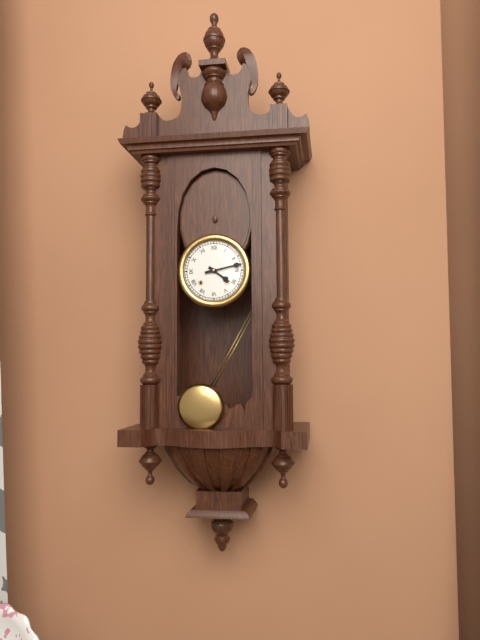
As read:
{"hour": 4, "minute": 13}
